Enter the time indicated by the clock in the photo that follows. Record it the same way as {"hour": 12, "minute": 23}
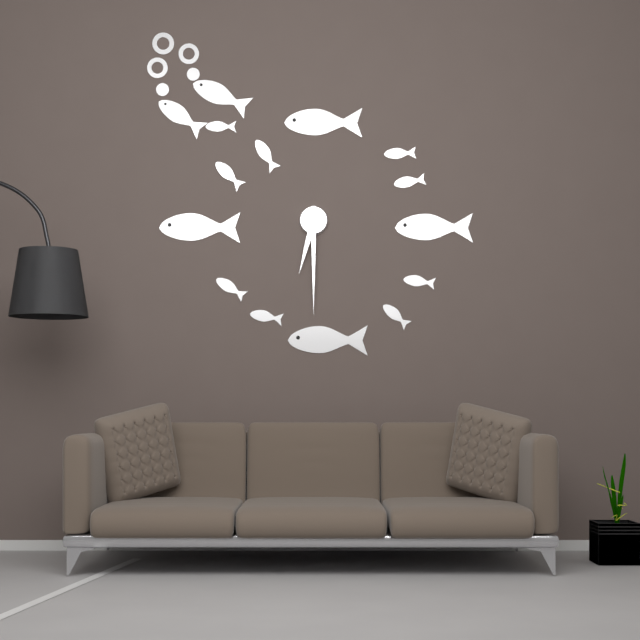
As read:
{"hour": 6, "minute": 30}
